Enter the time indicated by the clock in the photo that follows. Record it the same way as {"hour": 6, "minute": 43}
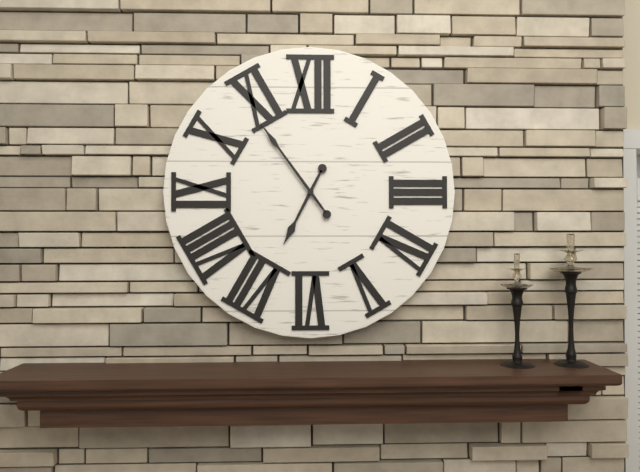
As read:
{"hour": 6, "minute": 54}
